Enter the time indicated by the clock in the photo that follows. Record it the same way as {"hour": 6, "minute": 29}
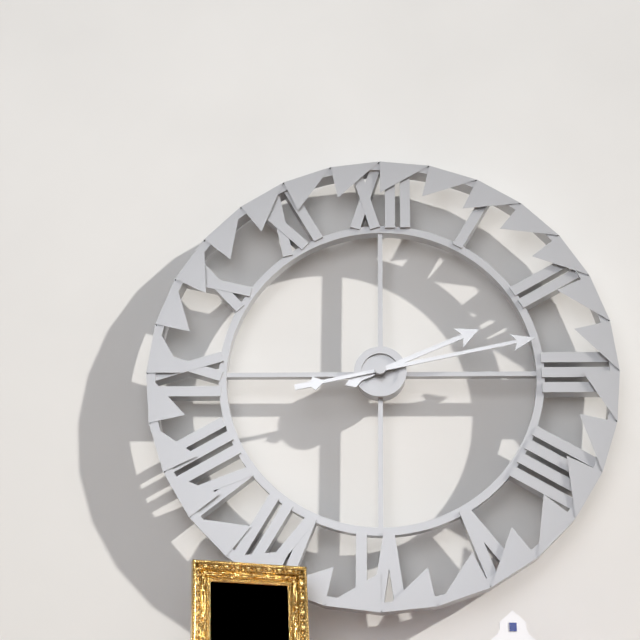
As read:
{"hour": 2, "minute": 13}
